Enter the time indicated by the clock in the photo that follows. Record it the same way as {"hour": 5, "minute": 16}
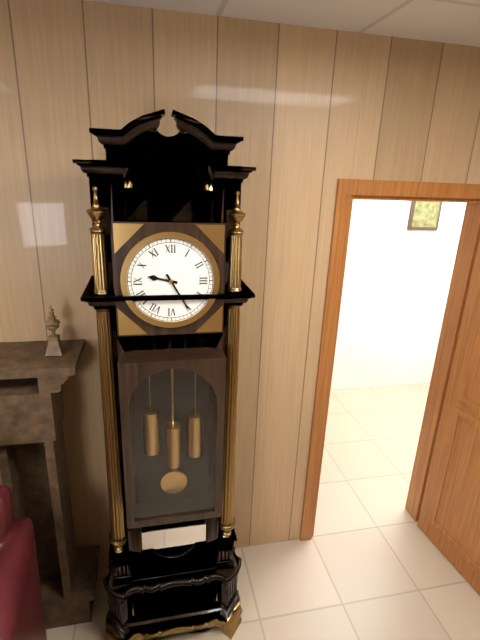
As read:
{"hour": 9, "minute": 25}
